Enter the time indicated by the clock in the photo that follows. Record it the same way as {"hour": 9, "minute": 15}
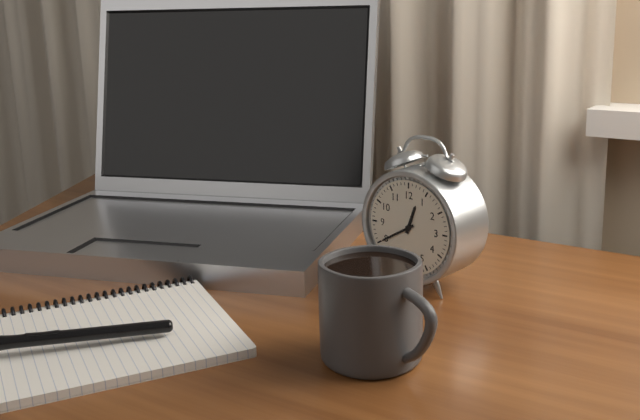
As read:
{"hour": 12, "minute": 40}
